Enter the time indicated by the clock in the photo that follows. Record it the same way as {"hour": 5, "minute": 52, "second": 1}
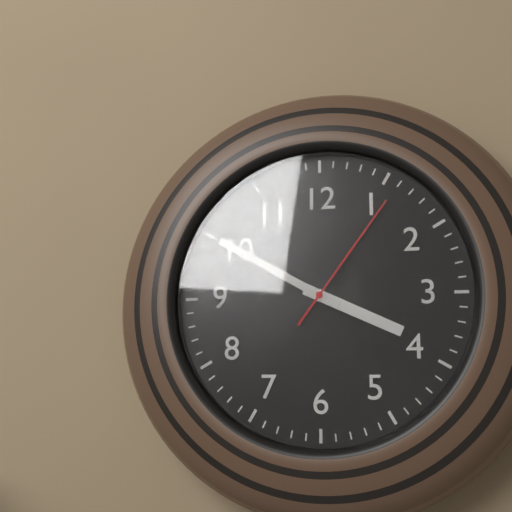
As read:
{"hour": 3, "minute": 50, "second": 6}
